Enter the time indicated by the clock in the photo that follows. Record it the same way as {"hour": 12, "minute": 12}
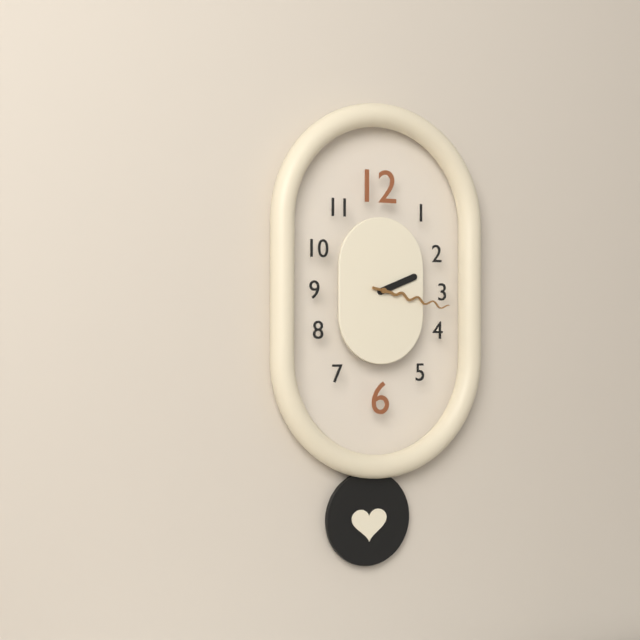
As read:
{"hour": 2, "minute": 17}
